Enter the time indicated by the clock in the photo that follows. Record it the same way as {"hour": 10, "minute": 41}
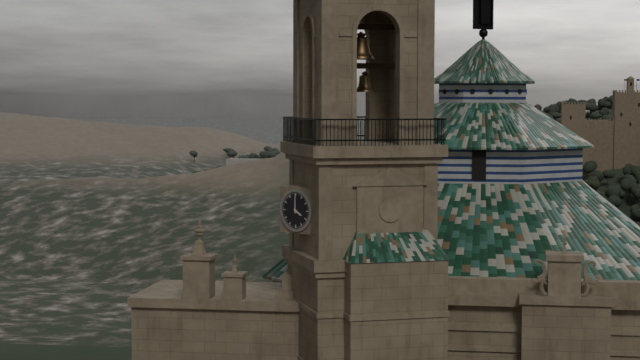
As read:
{"hour": 4, "minute": 0}
